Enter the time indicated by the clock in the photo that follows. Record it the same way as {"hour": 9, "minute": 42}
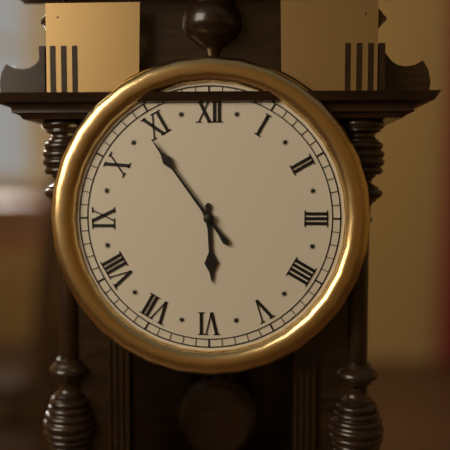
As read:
{"hour": 5, "minute": 54}
